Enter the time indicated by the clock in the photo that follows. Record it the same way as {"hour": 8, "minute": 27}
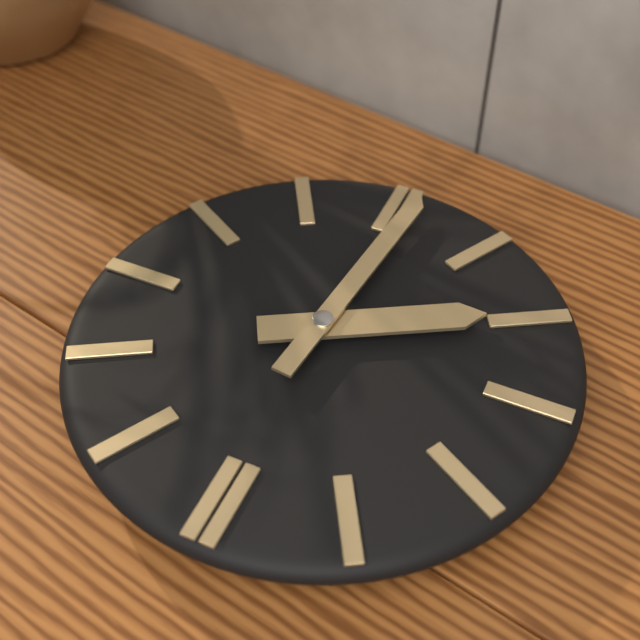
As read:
{"hour": 2, "minute": 1}
